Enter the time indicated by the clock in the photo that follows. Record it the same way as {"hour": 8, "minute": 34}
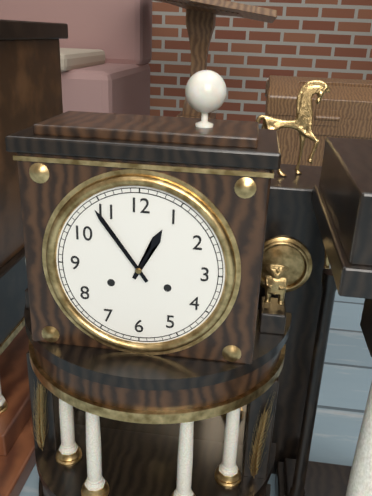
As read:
{"hour": 12, "minute": 54}
